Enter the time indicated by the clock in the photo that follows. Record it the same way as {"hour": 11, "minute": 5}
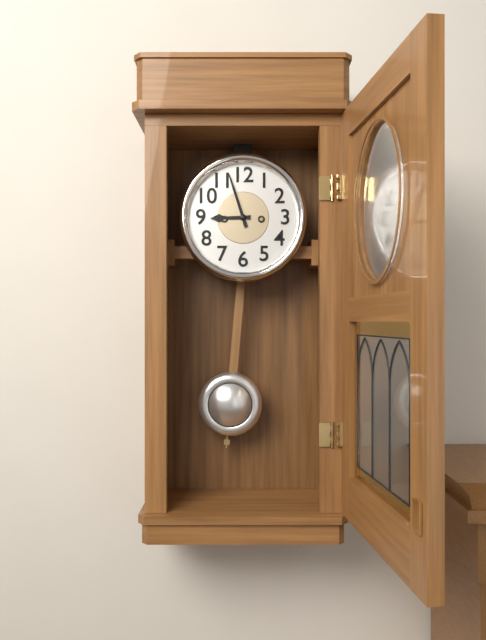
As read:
{"hour": 8, "minute": 57}
